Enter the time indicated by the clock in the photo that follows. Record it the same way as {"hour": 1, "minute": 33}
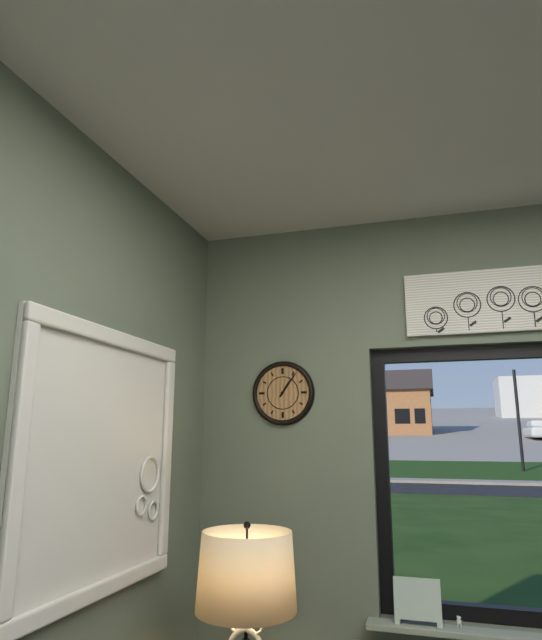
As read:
{"hour": 1, "minute": 6}
